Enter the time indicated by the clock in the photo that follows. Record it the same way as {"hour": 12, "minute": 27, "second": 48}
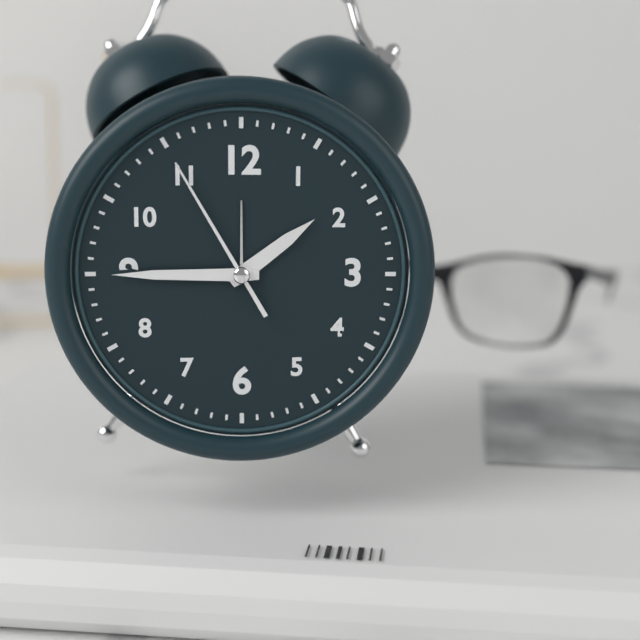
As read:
{"hour": 1, "minute": 45, "second": 55}
